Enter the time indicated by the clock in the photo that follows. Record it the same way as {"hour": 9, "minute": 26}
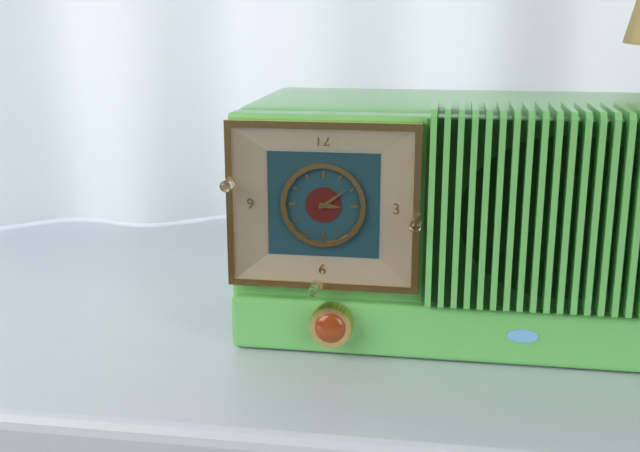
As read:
{"hour": 3, "minute": 9}
